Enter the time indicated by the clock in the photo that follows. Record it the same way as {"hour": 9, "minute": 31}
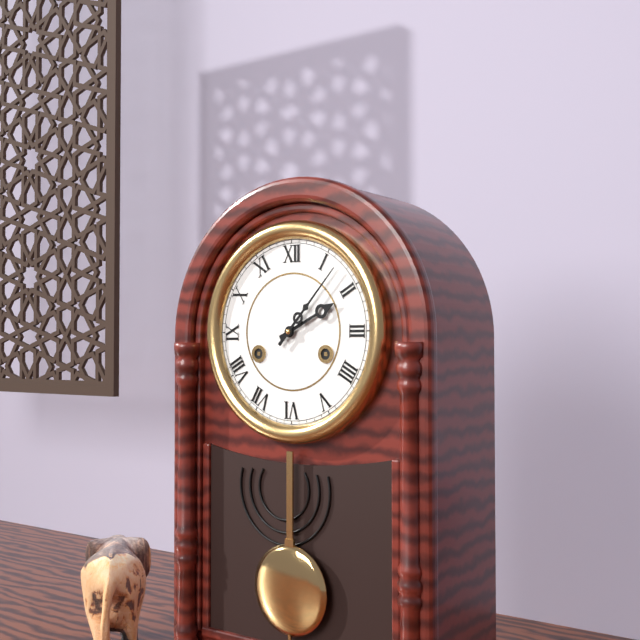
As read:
{"hour": 2, "minute": 7}
